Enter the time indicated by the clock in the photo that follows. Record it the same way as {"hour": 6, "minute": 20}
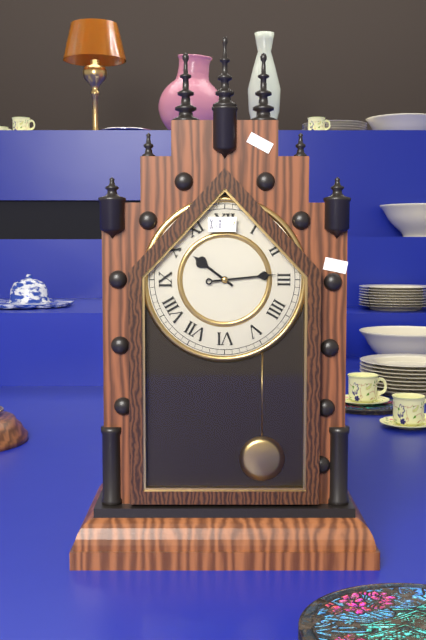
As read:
{"hour": 10, "minute": 14}
